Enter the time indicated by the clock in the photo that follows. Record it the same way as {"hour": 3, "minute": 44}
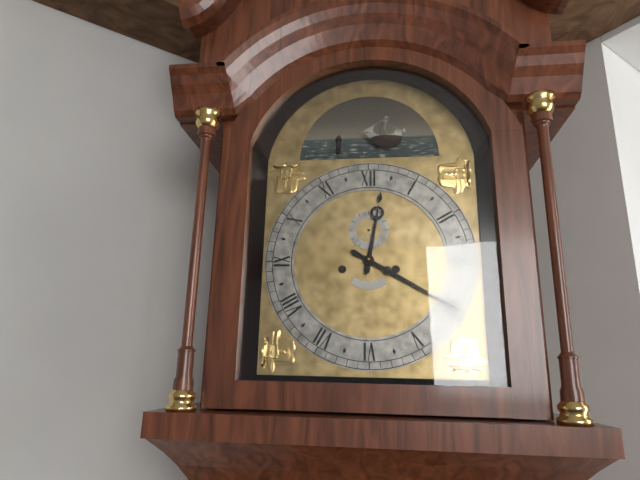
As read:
{"hour": 12, "minute": 20}
